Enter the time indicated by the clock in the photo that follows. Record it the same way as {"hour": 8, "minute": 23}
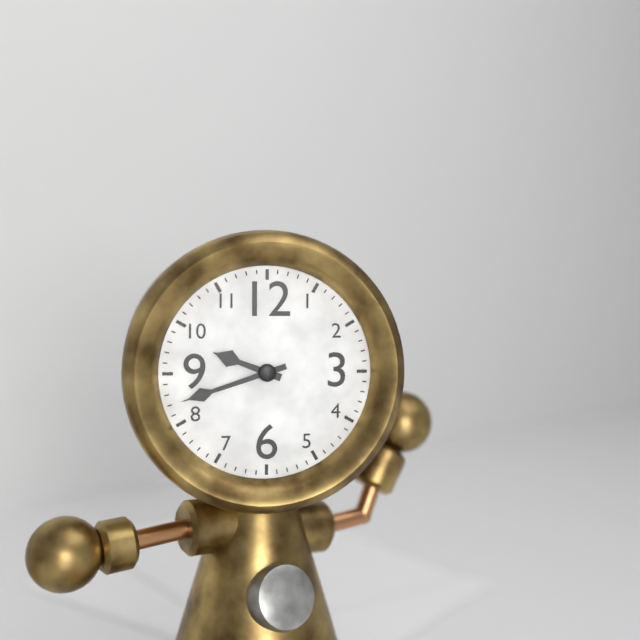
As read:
{"hour": 9, "minute": 42}
